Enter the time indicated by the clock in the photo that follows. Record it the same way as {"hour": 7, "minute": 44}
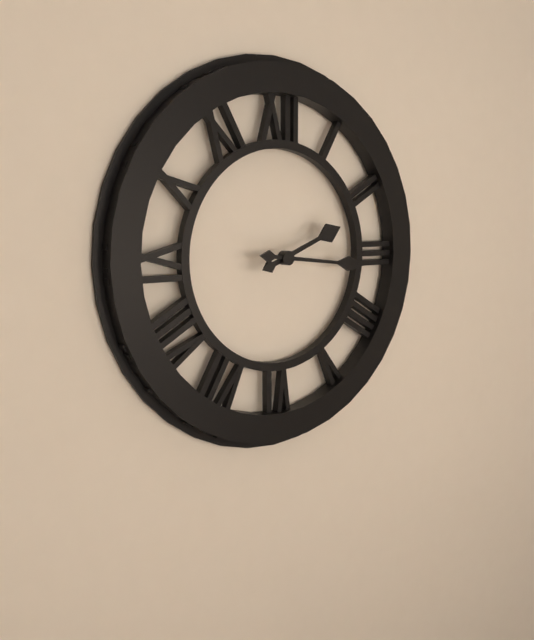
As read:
{"hour": 2, "minute": 16}
